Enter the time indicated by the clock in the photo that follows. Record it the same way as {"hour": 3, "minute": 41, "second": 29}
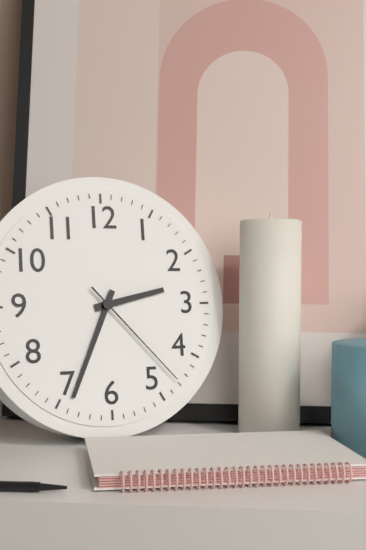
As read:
{"hour": 2, "minute": 34, "second": 23}
